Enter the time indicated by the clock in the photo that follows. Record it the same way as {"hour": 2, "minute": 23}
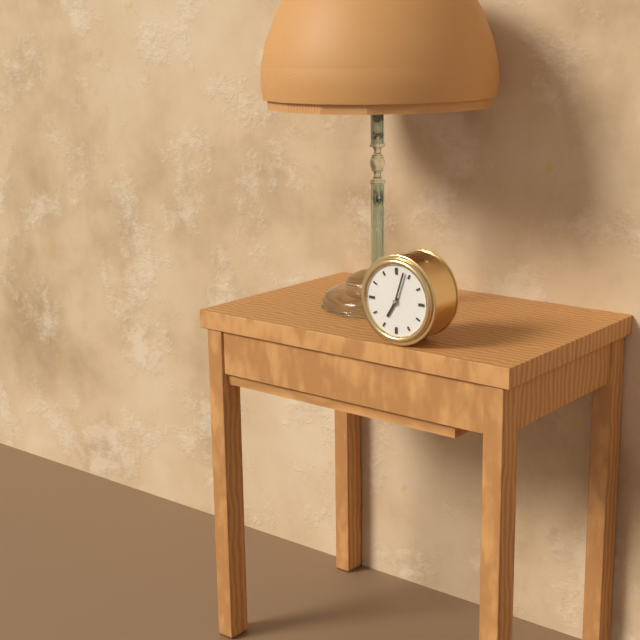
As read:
{"hour": 7, "minute": 3}
